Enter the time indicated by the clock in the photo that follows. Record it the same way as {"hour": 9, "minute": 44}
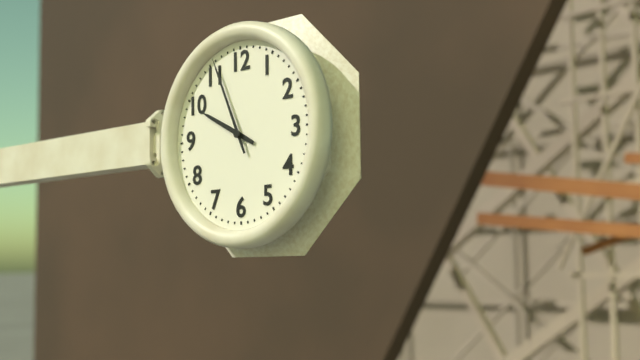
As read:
{"hour": 9, "minute": 56}
